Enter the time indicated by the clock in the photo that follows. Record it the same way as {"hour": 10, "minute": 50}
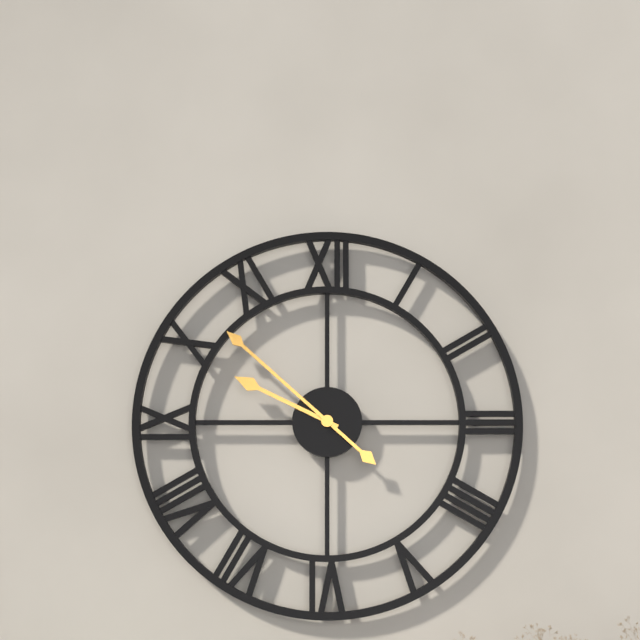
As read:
{"hour": 9, "minute": 52}
